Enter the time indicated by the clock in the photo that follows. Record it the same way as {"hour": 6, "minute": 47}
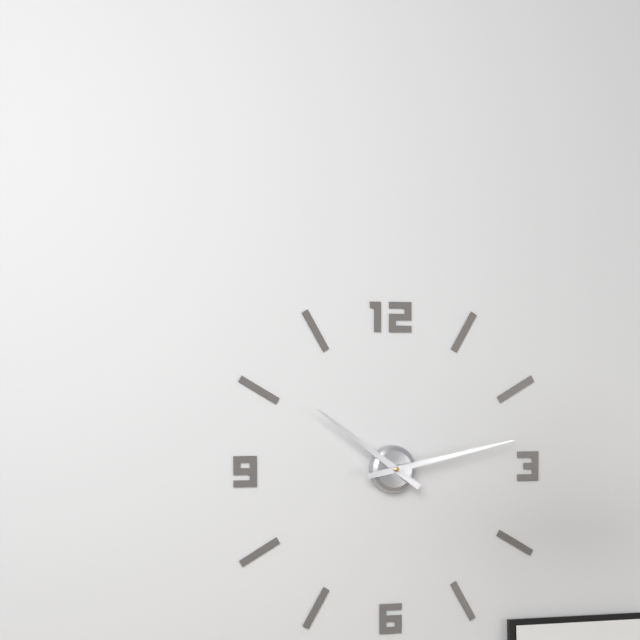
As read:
{"hour": 10, "minute": 13}
